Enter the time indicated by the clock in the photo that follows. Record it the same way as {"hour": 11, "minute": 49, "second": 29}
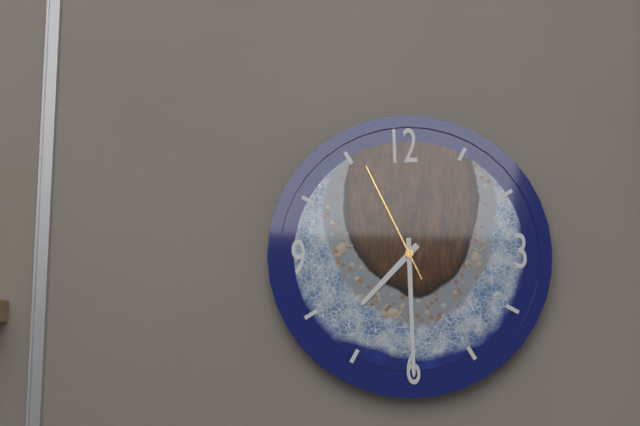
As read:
{"hour": 7, "minute": 30, "second": 56}
